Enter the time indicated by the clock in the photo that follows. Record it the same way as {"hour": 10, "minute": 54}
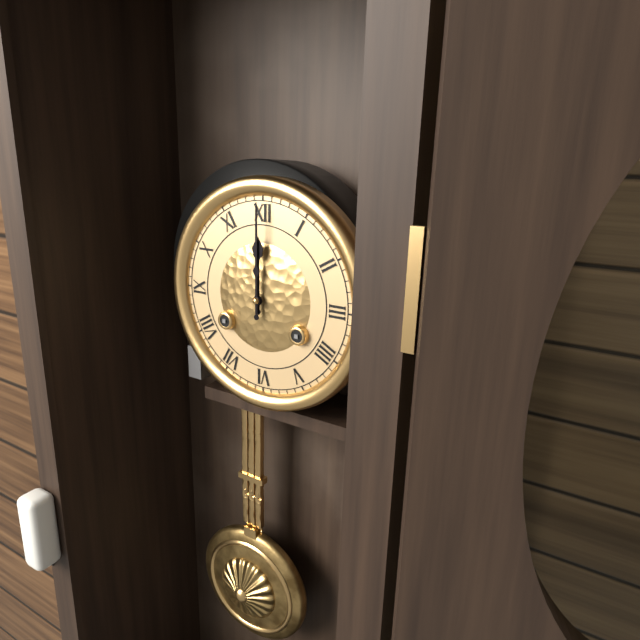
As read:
{"hour": 12, "minute": 0}
